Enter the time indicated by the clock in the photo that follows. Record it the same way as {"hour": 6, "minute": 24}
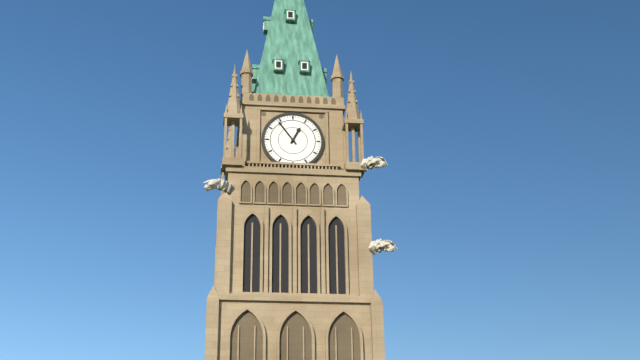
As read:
{"hour": 12, "minute": 54}
